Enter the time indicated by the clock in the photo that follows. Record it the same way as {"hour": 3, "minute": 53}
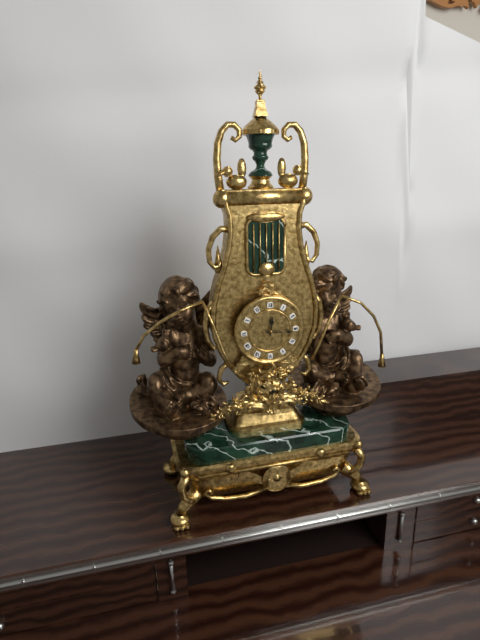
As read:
{"hour": 12, "minute": 16}
